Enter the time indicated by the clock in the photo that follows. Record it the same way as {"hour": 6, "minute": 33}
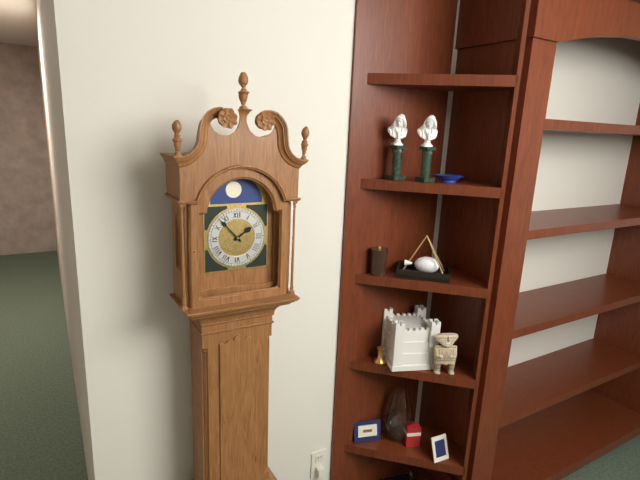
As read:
{"hour": 1, "minute": 53}
